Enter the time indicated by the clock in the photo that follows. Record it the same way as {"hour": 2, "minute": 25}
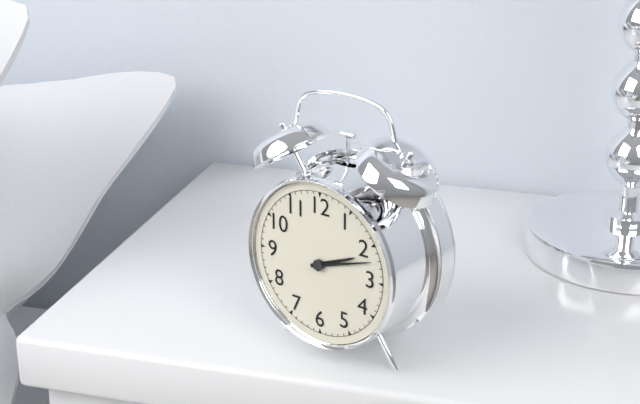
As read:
{"hour": 2, "minute": 12}
